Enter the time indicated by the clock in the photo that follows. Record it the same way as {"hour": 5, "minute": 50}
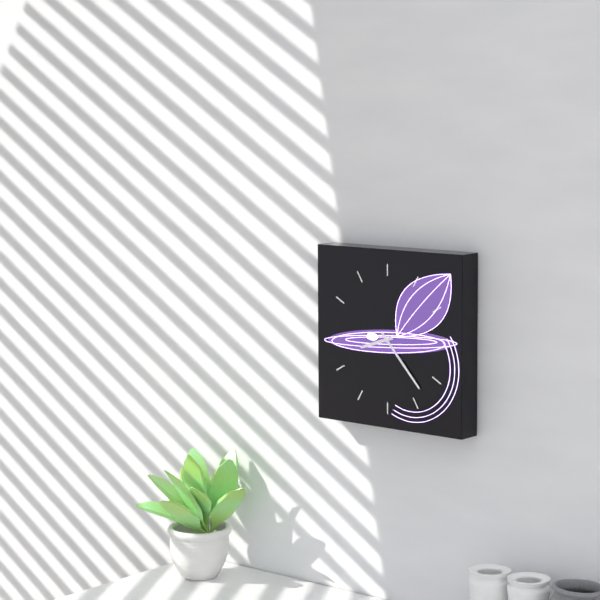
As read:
{"hour": 8, "minute": 23}
